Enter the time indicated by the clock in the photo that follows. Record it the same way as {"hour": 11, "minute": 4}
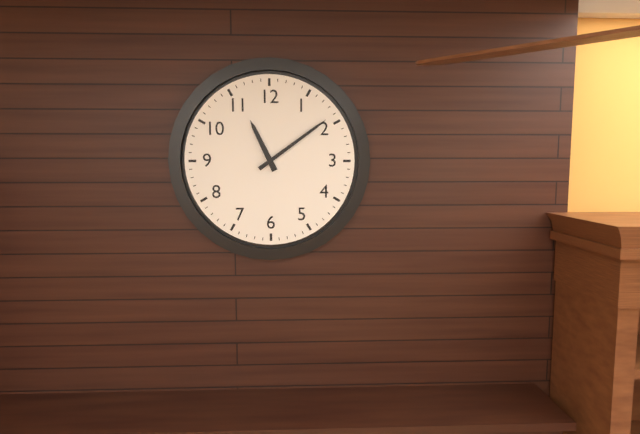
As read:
{"hour": 11, "minute": 9}
